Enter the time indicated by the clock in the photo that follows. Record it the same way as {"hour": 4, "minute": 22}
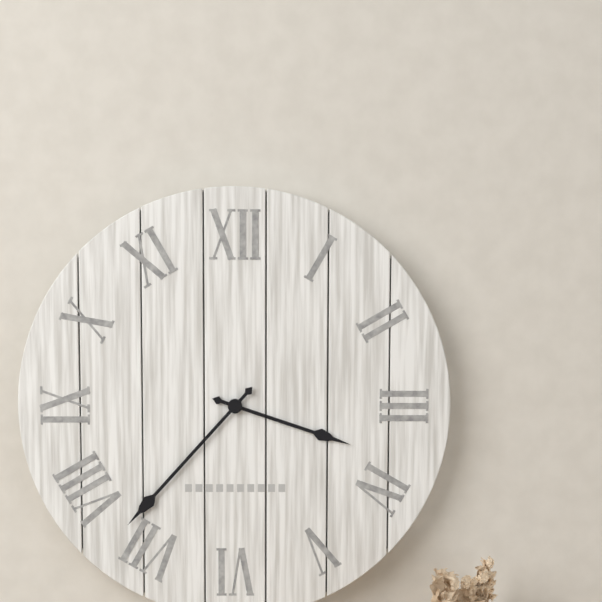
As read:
{"hour": 3, "minute": 37}
